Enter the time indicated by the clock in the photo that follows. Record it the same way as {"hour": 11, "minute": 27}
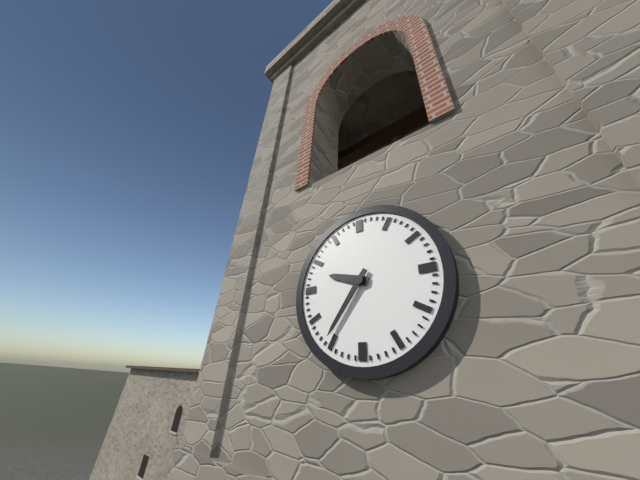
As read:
{"hour": 9, "minute": 36}
